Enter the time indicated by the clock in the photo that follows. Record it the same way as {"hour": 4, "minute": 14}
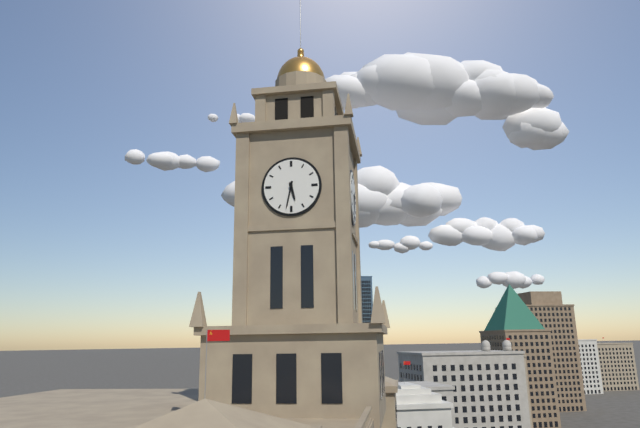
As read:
{"hour": 5, "minute": 32}
